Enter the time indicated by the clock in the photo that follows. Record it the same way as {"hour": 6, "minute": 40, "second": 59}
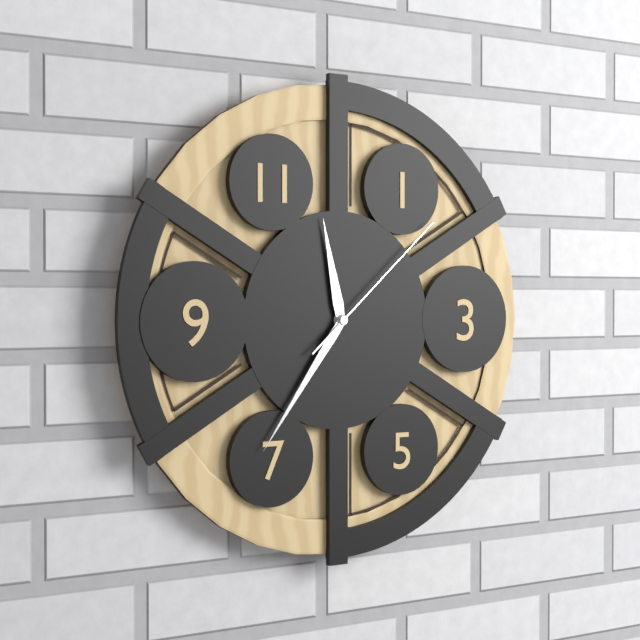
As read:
{"hour": 11, "minute": 36, "second": 8}
